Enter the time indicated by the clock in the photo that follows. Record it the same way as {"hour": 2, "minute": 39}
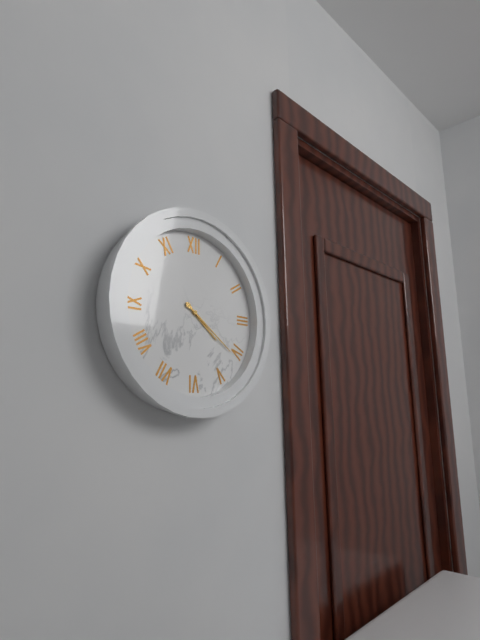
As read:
{"hour": 4, "minute": 21}
